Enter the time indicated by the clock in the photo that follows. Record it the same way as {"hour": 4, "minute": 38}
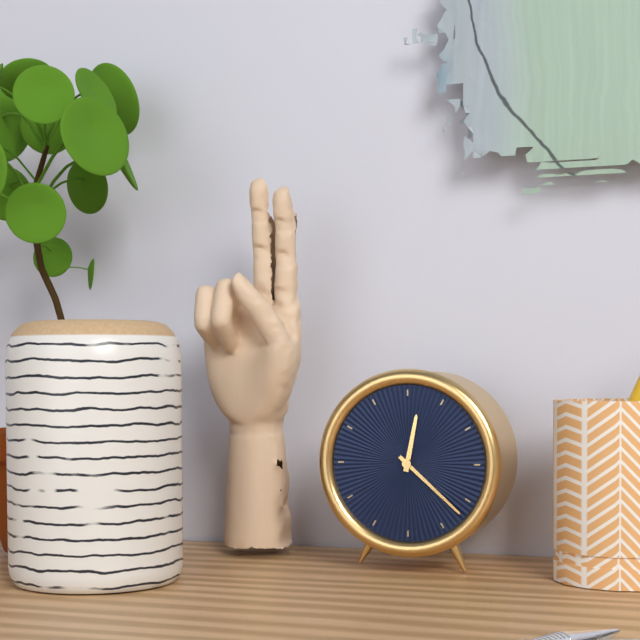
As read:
{"hour": 12, "minute": 22}
